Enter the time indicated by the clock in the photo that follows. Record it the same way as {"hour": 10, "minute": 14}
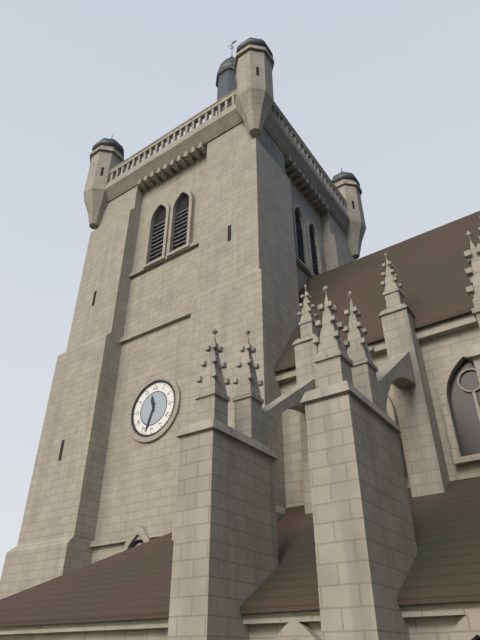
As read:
{"hour": 11, "minute": 33}
